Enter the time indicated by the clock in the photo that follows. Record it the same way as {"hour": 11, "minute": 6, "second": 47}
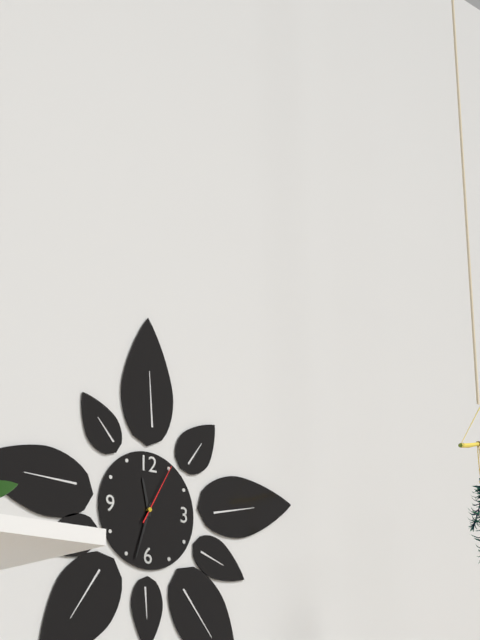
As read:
{"hour": 11, "minute": 33, "second": 5}
